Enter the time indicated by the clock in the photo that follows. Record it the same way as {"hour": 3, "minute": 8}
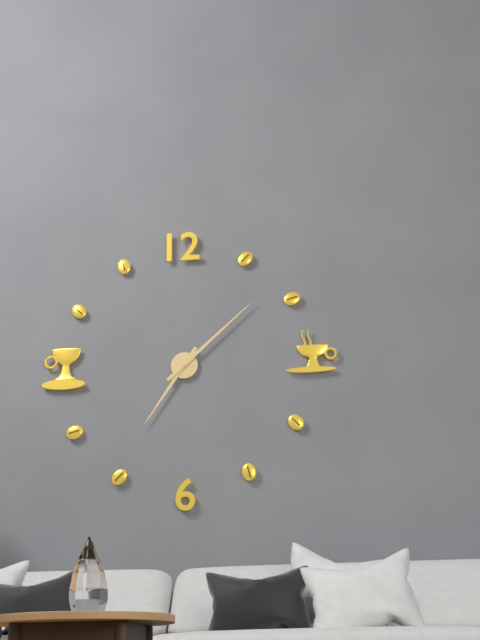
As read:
{"hour": 7, "minute": 8}
